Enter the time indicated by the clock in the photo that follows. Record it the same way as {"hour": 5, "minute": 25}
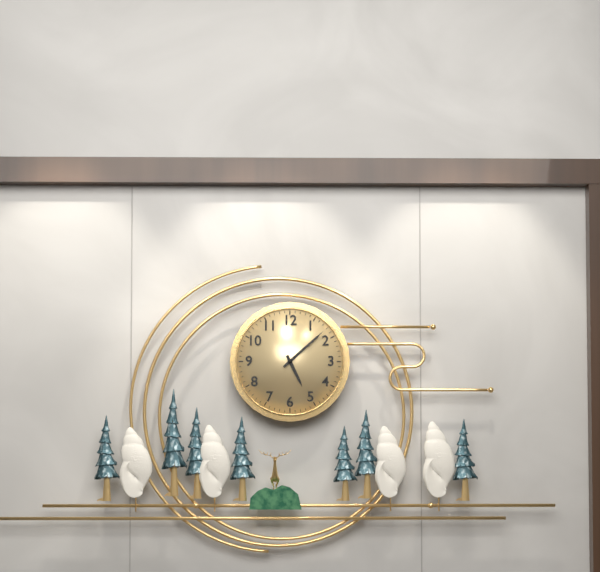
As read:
{"hour": 5, "minute": 8}
